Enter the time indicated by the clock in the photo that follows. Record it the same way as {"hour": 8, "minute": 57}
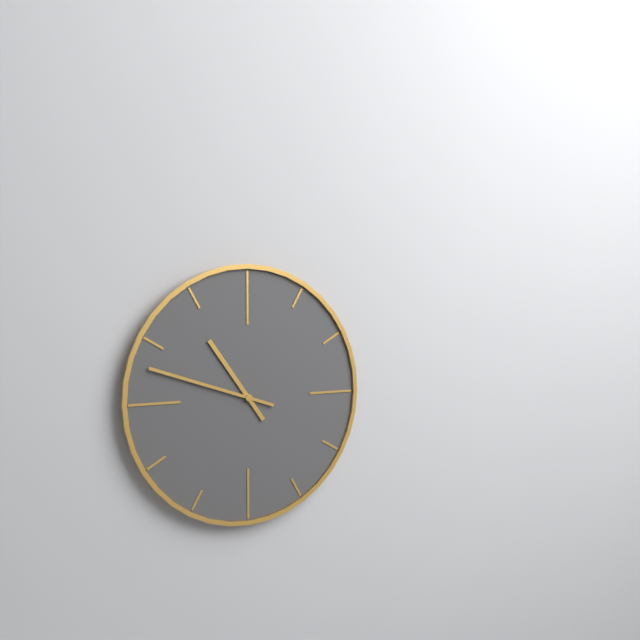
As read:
{"hour": 10, "minute": 48}
